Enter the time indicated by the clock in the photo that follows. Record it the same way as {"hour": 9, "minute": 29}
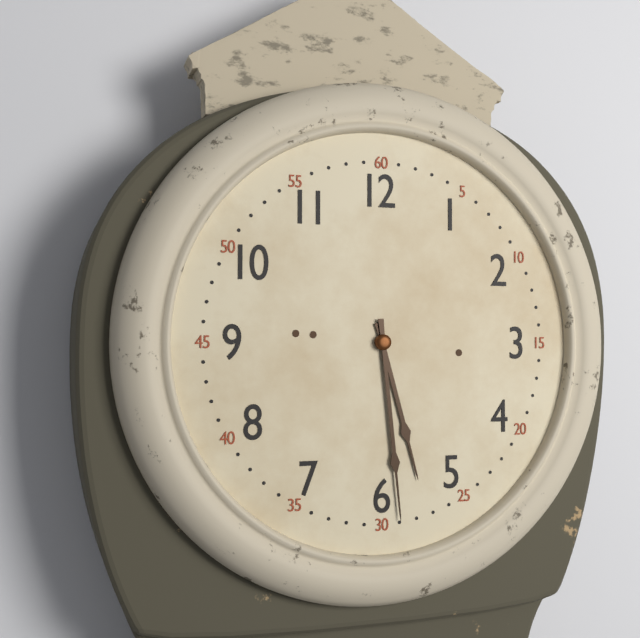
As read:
{"hour": 5, "minute": 29}
